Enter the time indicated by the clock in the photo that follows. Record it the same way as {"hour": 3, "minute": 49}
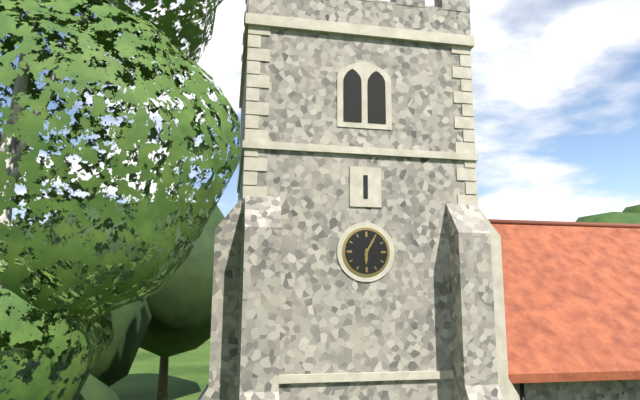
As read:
{"hour": 6, "minute": 5}
